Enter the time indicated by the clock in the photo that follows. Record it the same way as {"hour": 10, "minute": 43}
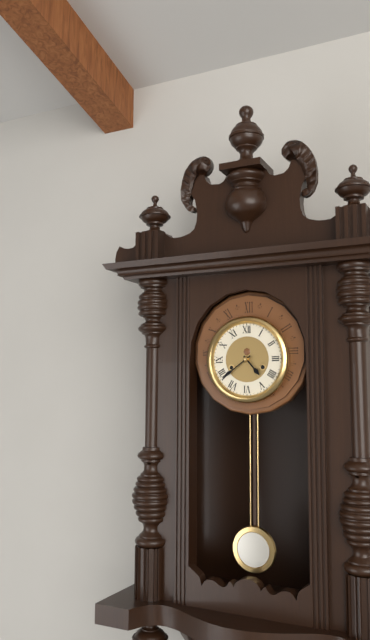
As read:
{"hour": 4, "minute": 39}
